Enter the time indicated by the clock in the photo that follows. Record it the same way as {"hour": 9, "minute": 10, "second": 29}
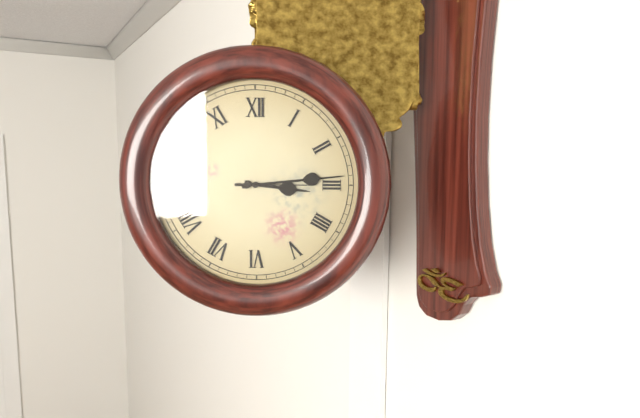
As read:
{"hour": 3, "minute": 14, "second": 15}
